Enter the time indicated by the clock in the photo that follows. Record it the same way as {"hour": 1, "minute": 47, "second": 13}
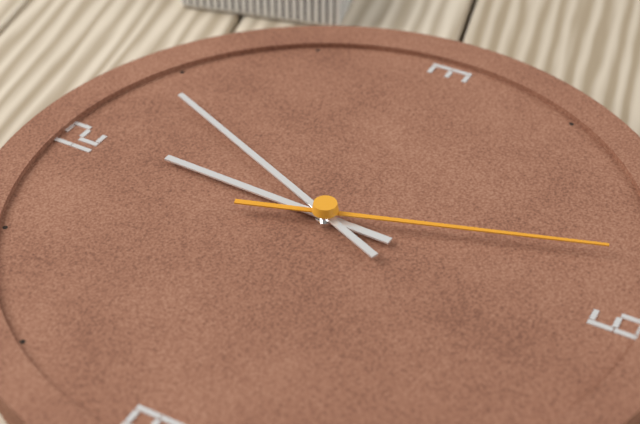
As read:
{"hour": 12, "minute": 4, "second": 27}
